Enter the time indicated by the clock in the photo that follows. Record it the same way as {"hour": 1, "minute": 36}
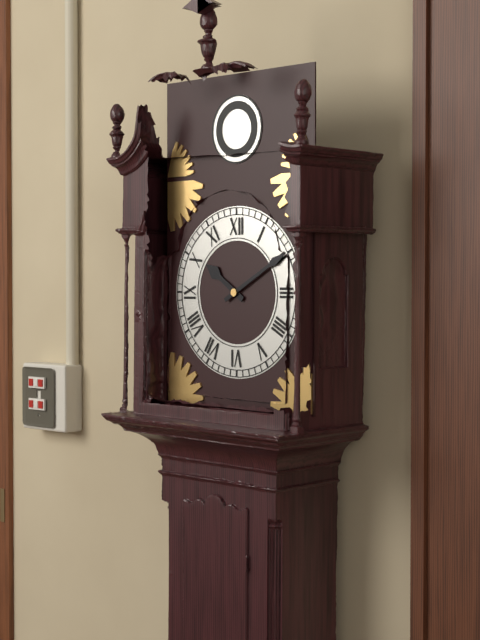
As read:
{"hour": 10, "minute": 10}
